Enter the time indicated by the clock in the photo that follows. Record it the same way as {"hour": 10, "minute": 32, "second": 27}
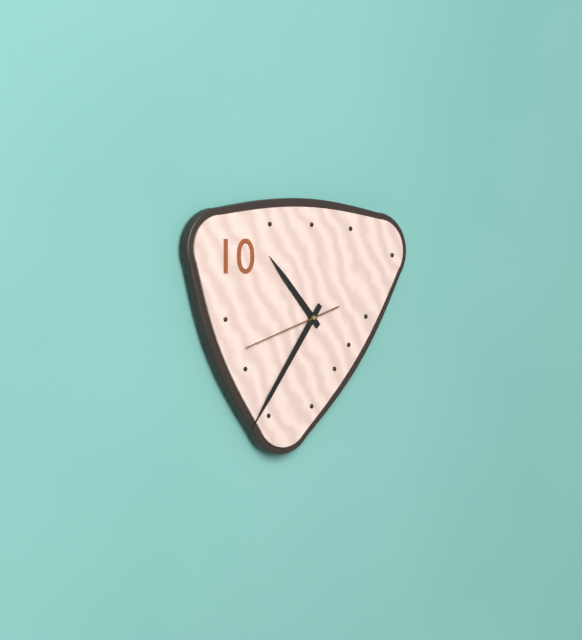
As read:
{"hour": 10, "minute": 36, "second": 42}
